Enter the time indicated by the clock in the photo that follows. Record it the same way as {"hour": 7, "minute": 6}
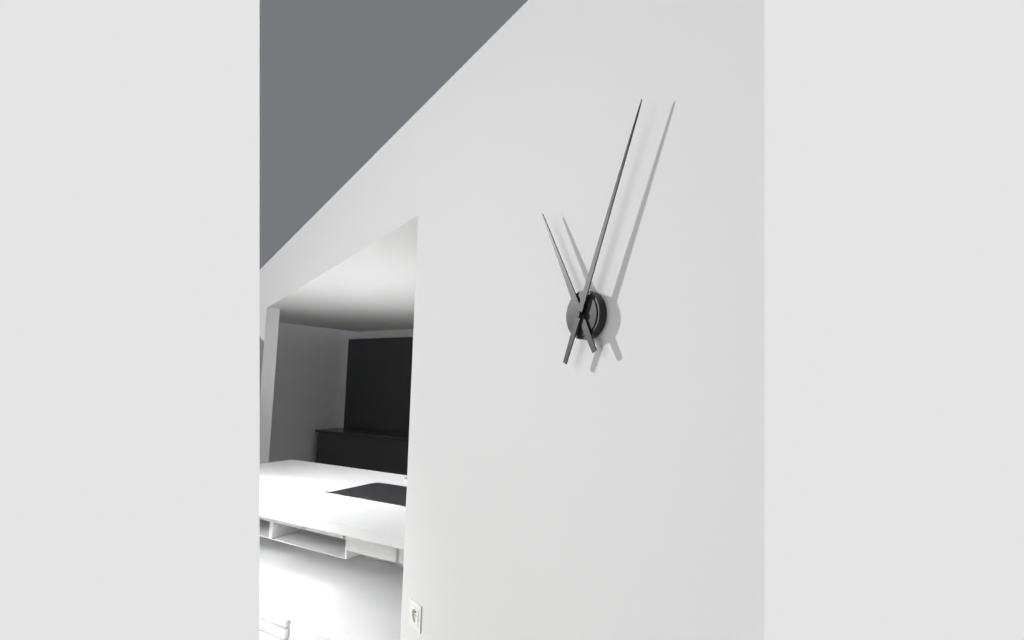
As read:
{"hour": 11, "minute": 4}
